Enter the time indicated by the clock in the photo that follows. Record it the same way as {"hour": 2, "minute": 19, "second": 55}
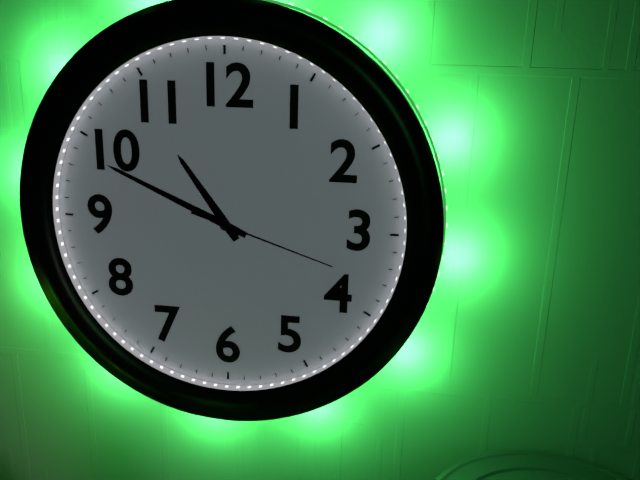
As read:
{"hour": 10, "minute": 49, "second": 18}
